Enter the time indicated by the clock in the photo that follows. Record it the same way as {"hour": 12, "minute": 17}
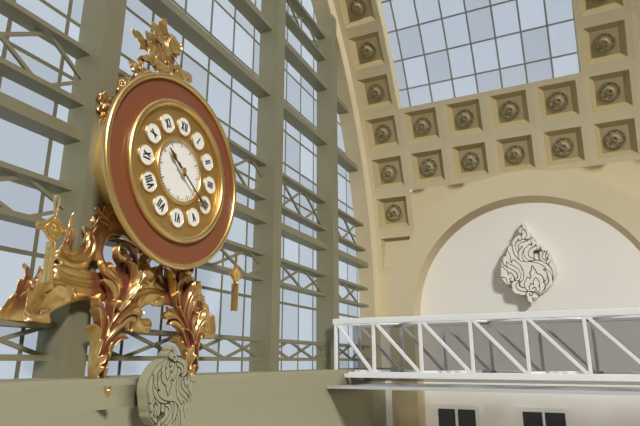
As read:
{"hour": 10, "minute": 21}
